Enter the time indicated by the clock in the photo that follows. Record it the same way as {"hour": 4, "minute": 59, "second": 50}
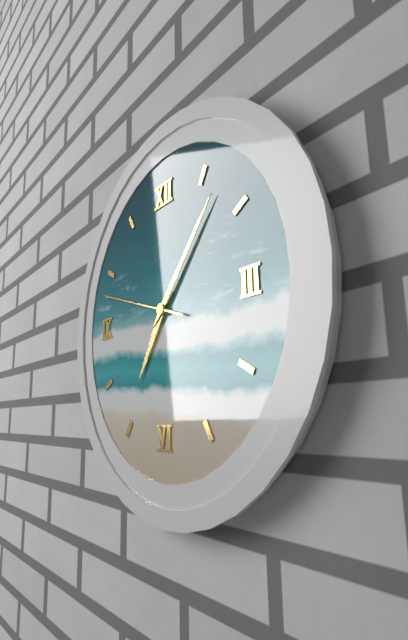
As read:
{"hour": 7, "minute": 7, "second": 48}
